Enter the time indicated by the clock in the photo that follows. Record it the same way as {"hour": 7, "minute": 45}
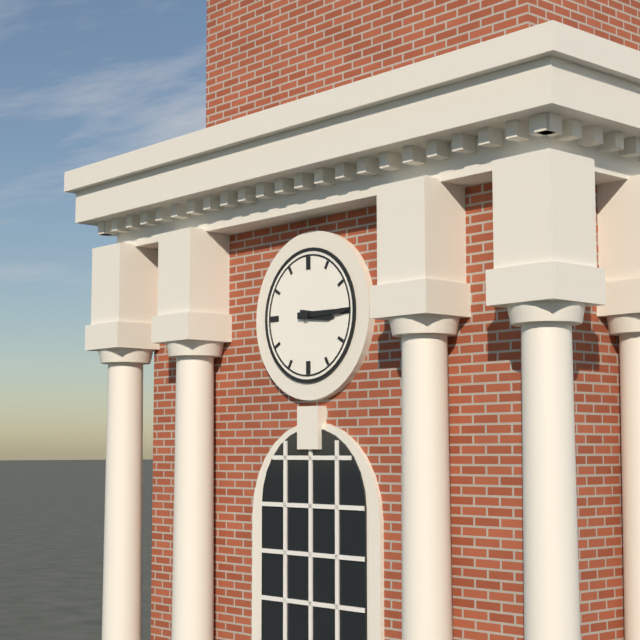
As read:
{"hour": 3, "minute": 15}
